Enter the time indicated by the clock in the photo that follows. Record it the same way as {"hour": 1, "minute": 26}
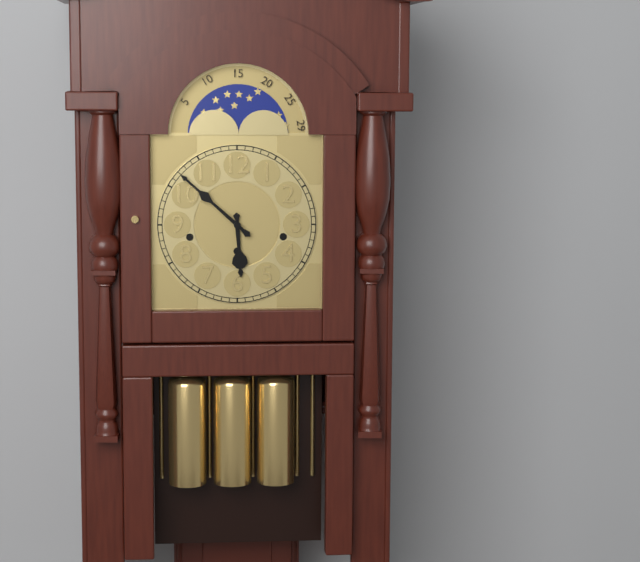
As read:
{"hour": 5, "minute": 52}
